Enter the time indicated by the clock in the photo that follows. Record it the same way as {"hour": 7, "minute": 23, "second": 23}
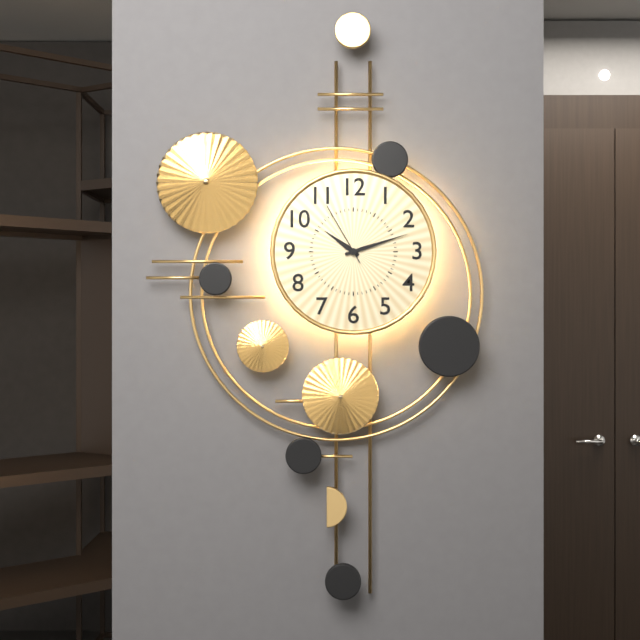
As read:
{"hour": 10, "minute": 12, "second": 55}
